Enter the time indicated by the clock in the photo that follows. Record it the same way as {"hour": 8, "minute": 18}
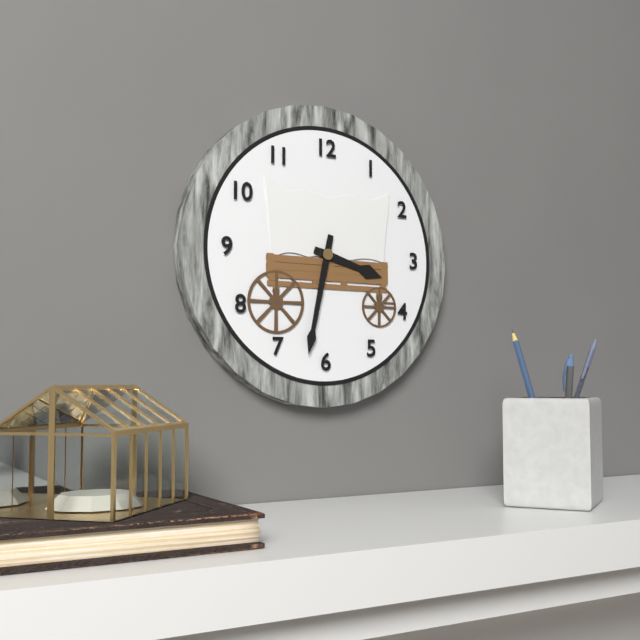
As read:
{"hour": 3, "minute": 32}
